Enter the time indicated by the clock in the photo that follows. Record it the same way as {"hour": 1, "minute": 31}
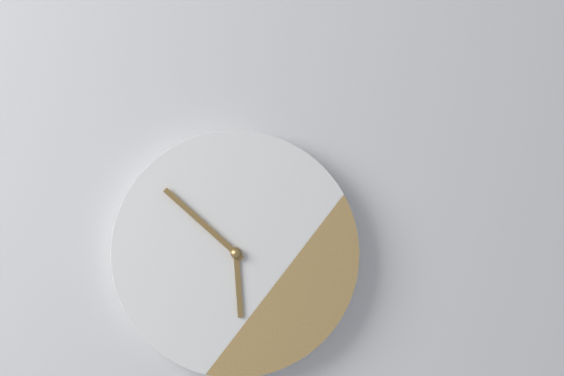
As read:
{"hour": 5, "minute": 52}
